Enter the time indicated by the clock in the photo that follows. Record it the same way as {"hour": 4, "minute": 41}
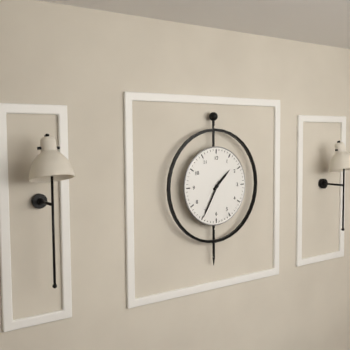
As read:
{"hour": 1, "minute": 35}
